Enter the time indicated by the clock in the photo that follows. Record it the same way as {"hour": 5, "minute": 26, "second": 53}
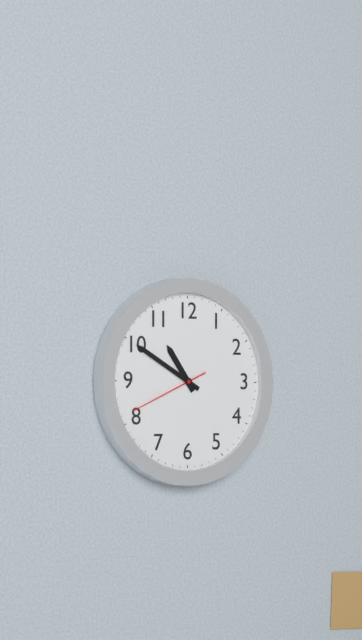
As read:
{"hour": 10, "minute": 50, "second": 41}
